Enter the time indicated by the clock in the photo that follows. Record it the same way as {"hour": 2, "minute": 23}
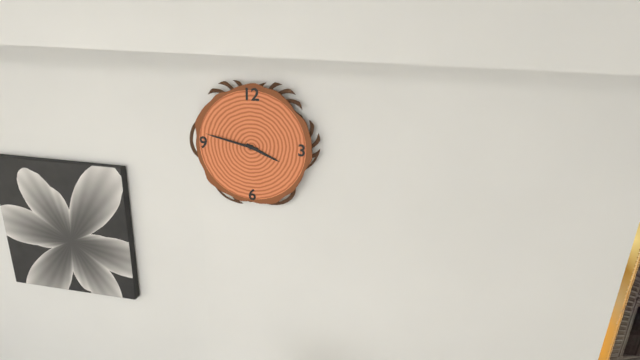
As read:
{"hour": 3, "minute": 47}
